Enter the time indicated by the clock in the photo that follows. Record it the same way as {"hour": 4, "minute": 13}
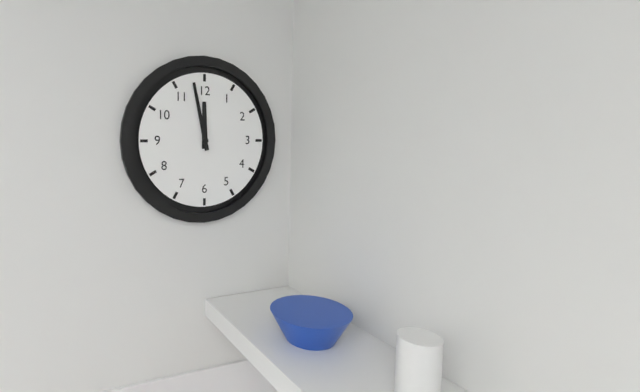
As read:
{"hour": 11, "minute": 58}
